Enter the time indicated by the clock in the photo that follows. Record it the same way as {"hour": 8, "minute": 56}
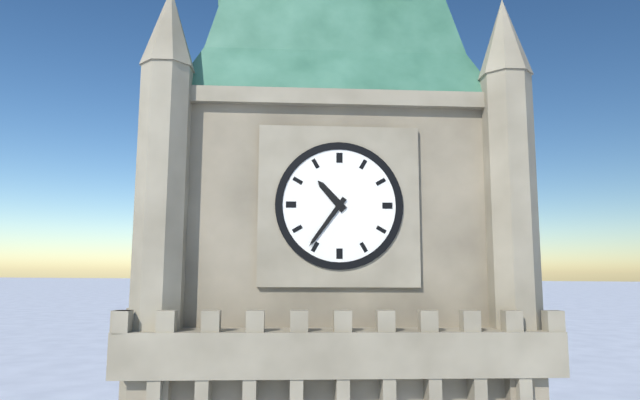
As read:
{"hour": 10, "minute": 36}
